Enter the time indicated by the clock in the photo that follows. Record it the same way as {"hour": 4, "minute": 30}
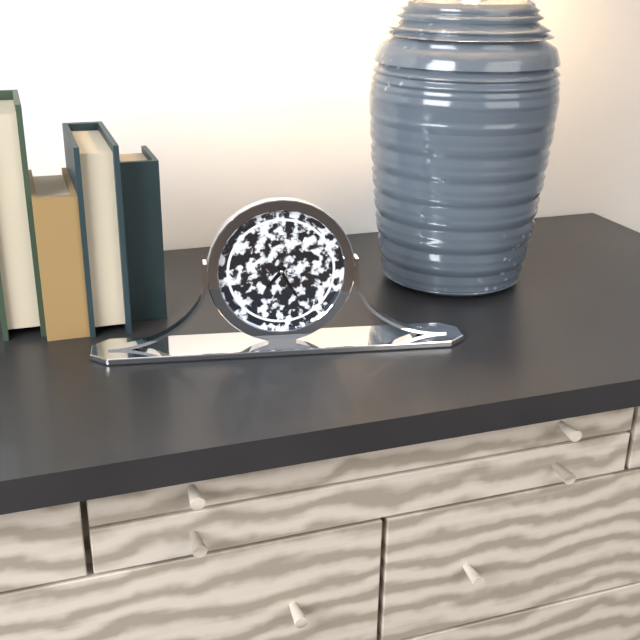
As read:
{"hour": 7, "minute": 25}
